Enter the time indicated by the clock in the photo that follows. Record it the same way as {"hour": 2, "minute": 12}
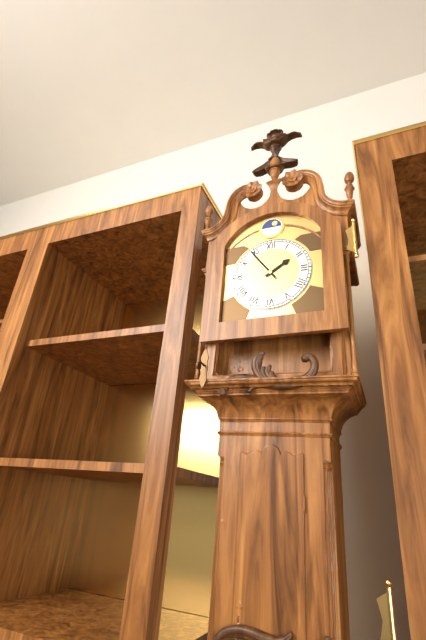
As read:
{"hour": 1, "minute": 54}
